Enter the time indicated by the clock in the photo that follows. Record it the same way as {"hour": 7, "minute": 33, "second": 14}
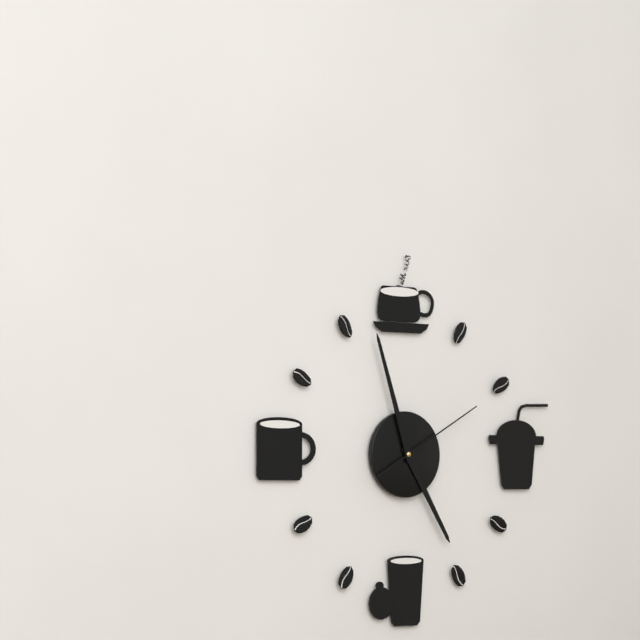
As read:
{"hour": 4, "minute": 57, "second": 10}
